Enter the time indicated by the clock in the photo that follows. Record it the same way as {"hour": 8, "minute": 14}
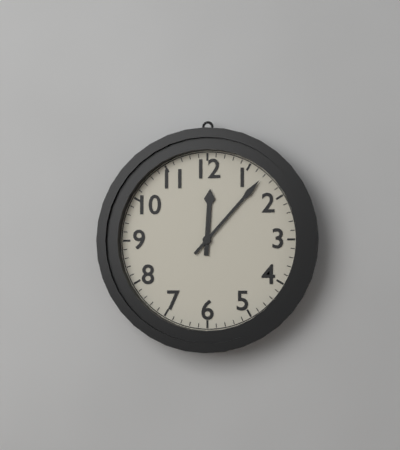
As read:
{"hour": 12, "minute": 7}
